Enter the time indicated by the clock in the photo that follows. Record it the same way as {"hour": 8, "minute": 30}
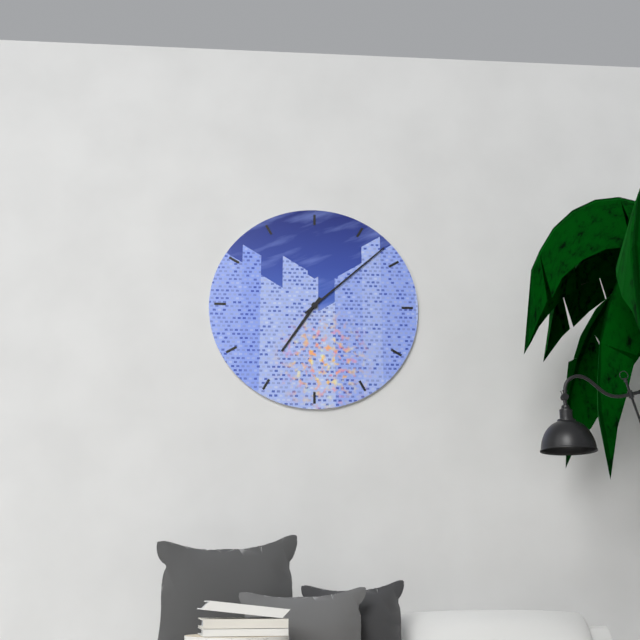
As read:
{"hour": 7, "minute": 8}
